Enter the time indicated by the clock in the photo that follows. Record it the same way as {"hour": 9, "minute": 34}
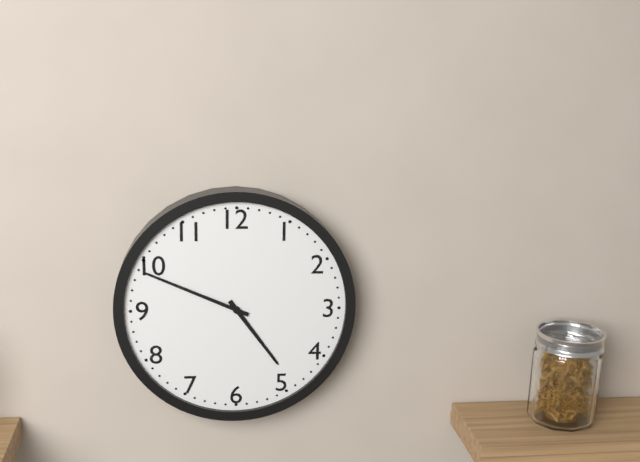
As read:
{"hour": 4, "minute": 49}
